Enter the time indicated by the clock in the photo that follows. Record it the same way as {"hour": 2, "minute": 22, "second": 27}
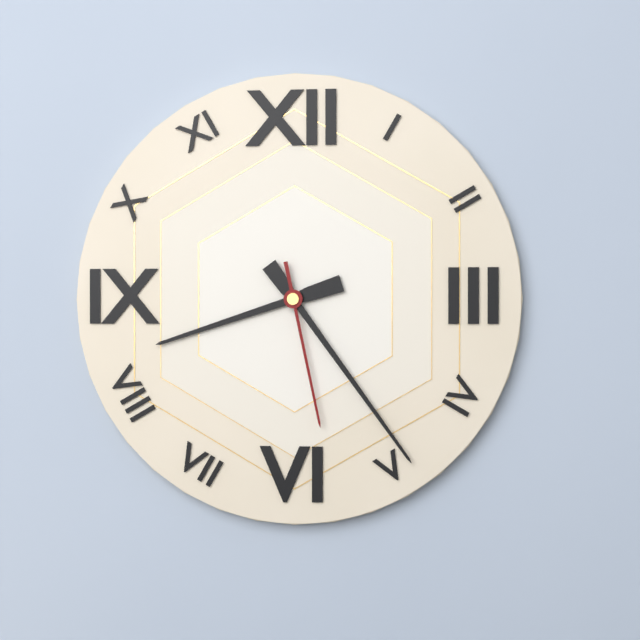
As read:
{"hour": 8, "minute": 24, "second": 28}
